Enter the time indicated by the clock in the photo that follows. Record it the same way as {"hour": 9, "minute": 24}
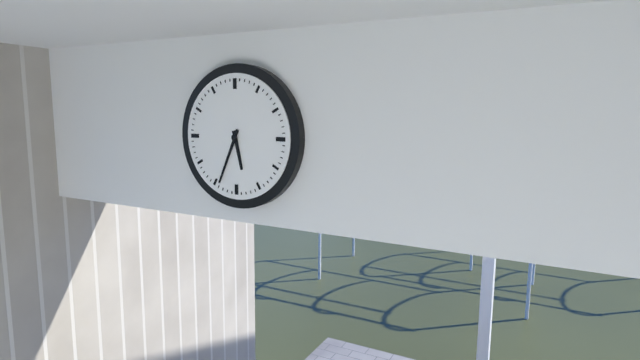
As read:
{"hour": 5, "minute": 34}
